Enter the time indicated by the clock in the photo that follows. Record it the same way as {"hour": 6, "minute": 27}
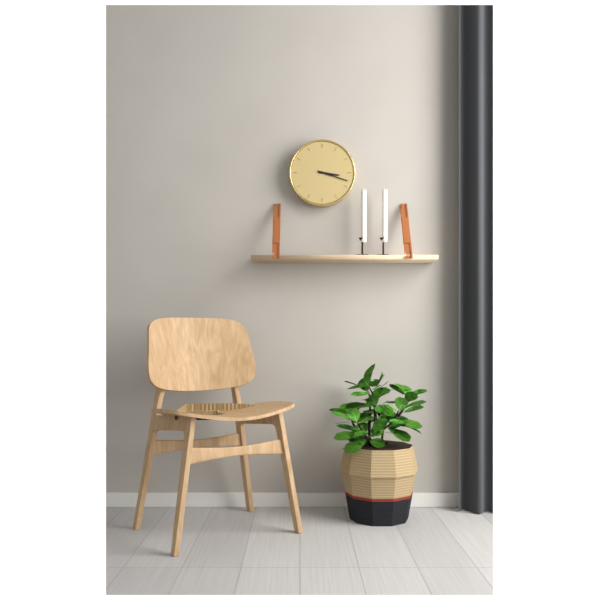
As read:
{"hour": 3, "minute": 18}
